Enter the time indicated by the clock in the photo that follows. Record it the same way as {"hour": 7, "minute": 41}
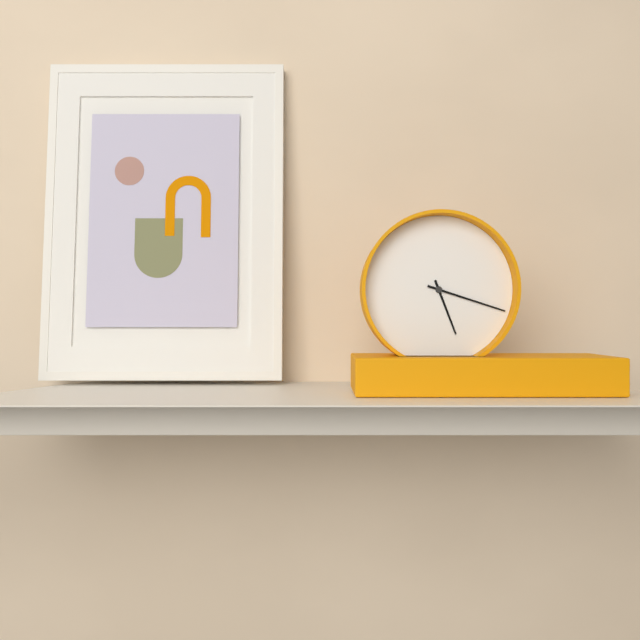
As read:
{"hour": 5, "minute": 18}
